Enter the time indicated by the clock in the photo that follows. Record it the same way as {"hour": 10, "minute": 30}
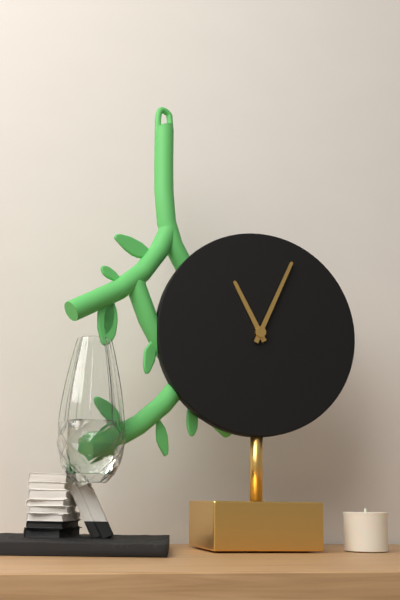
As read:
{"hour": 11, "minute": 4}
